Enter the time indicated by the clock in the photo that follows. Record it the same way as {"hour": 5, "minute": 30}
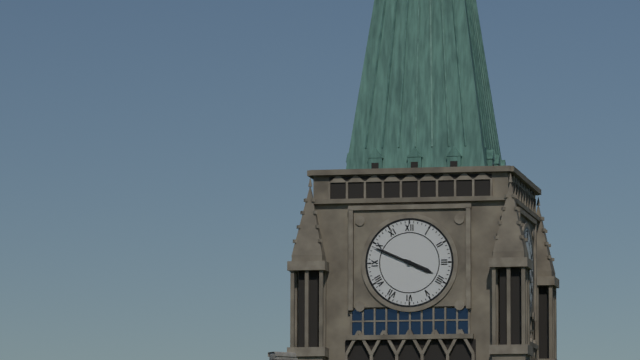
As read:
{"hour": 3, "minute": 49}
